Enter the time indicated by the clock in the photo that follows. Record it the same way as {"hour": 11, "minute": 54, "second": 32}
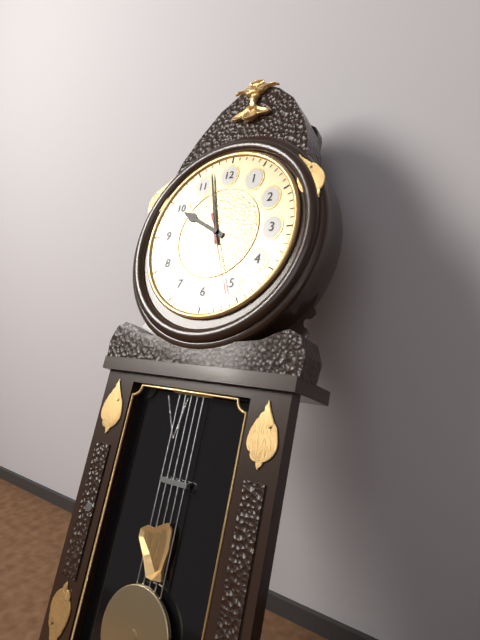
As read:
{"hour": 9, "minute": 57, "second": 26}
